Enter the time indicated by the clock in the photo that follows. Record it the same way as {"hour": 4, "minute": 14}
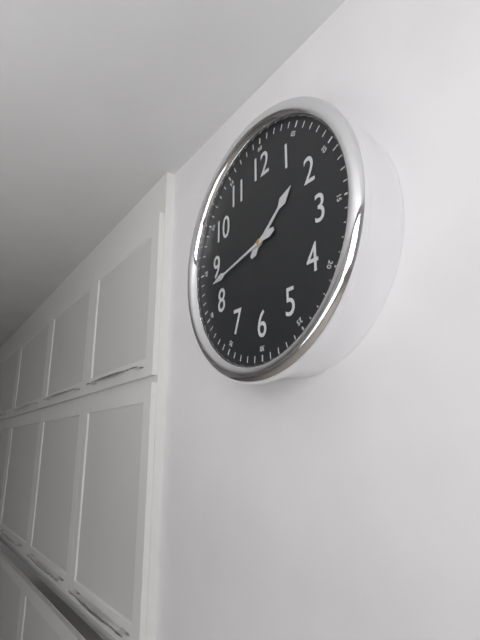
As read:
{"hour": 1, "minute": 43}
